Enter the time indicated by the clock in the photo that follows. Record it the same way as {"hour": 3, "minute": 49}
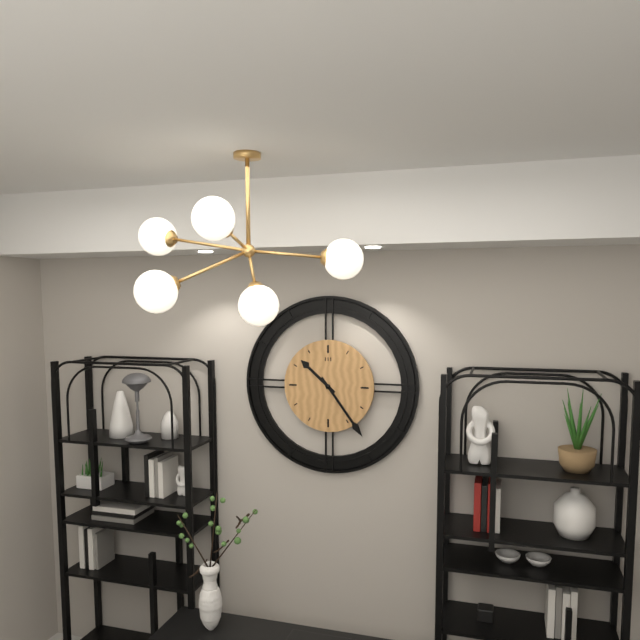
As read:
{"hour": 10, "minute": 24}
